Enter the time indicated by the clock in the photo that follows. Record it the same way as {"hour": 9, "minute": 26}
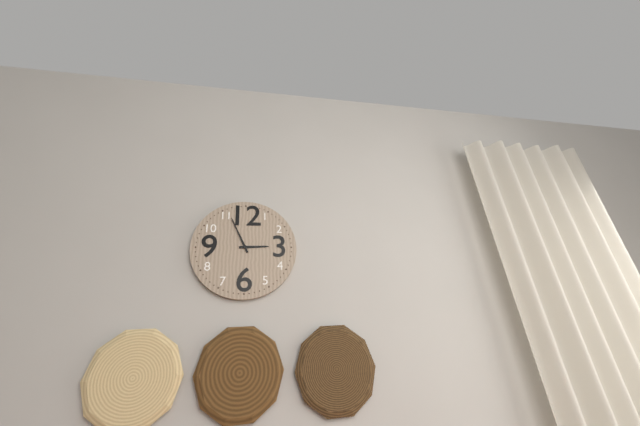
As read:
{"hour": 2, "minute": 56}
